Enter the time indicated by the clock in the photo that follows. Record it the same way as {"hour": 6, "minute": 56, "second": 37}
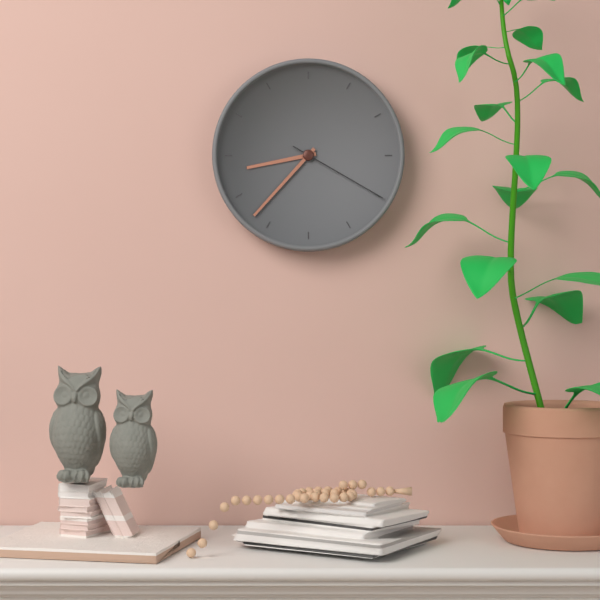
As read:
{"hour": 8, "minute": 37, "second": 20}
